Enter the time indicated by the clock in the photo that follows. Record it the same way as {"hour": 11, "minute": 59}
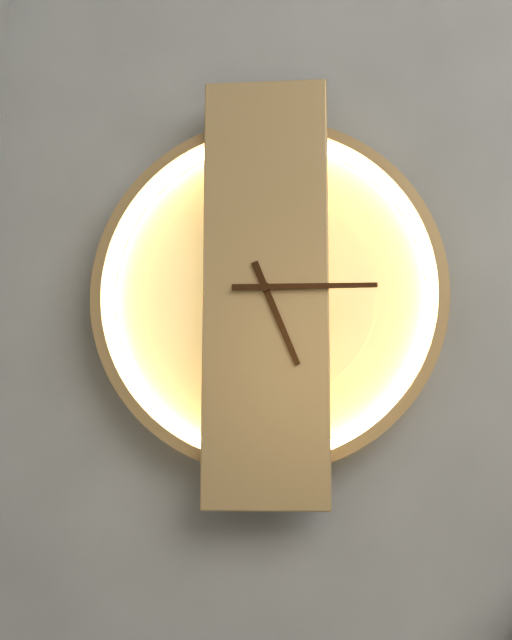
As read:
{"hour": 5, "minute": 15}
